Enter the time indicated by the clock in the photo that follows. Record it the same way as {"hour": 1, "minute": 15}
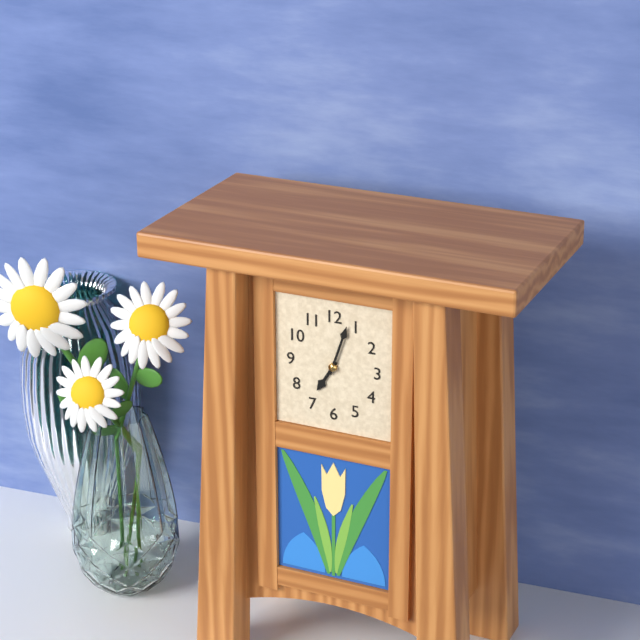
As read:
{"hour": 7, "minute": 3}
